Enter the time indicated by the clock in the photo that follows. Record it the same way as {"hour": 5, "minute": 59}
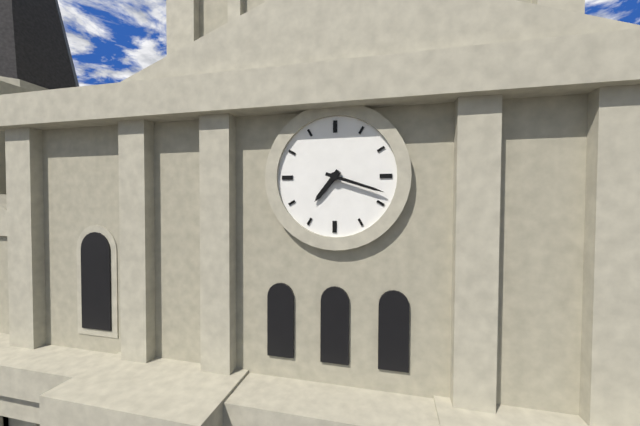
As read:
{"hour": 7, "minute": 18}
